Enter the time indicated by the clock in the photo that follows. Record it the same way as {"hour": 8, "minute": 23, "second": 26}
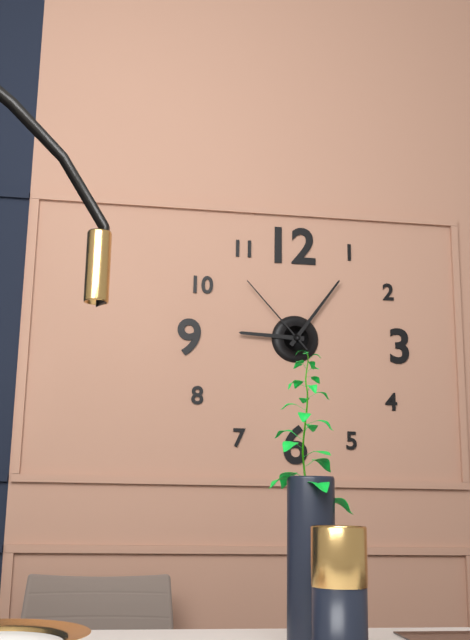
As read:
{"hour": 9, "minute": 6, "second": 53}
